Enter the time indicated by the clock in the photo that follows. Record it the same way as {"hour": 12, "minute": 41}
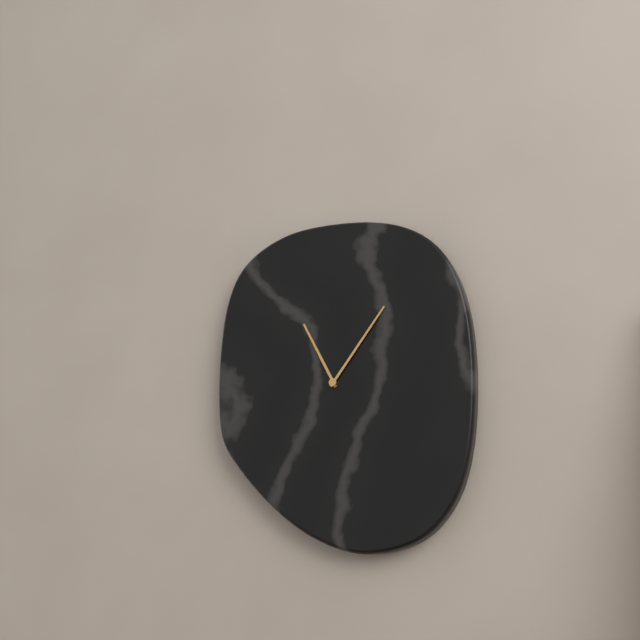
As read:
{"hour": 11, "minute": 6}
